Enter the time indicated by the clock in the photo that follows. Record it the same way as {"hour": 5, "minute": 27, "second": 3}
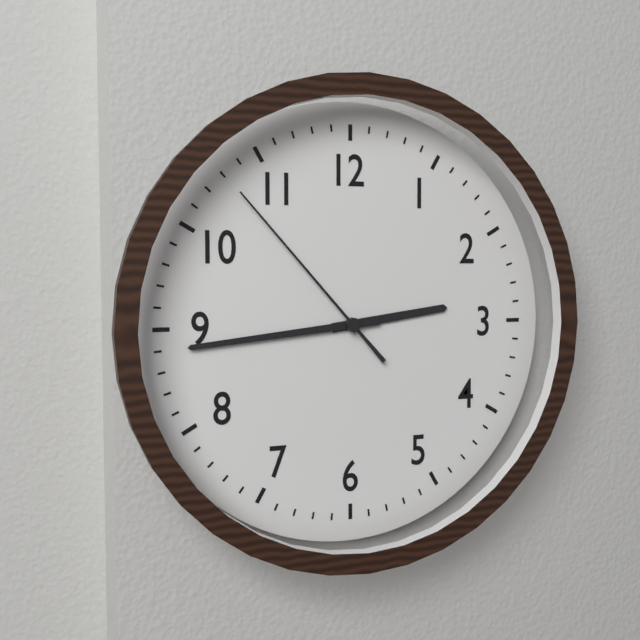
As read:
{"hour": 2, "minute": 44, "second": 53}
